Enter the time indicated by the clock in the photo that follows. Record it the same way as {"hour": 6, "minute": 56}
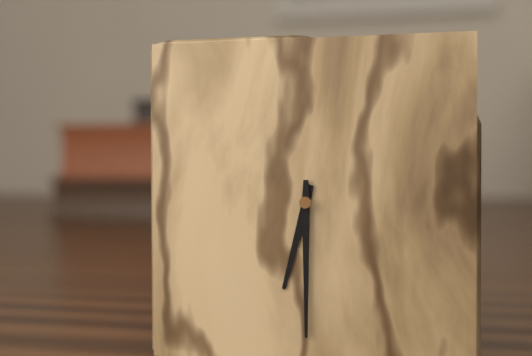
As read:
{"hour": 6, "minute": 30}
